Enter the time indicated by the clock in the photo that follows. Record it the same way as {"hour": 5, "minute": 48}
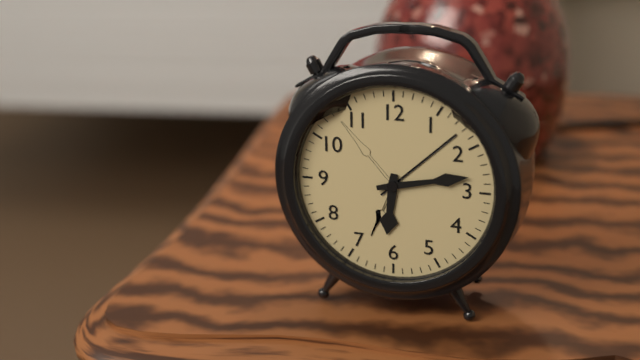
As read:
{"hour": 6, "minute": 13}
